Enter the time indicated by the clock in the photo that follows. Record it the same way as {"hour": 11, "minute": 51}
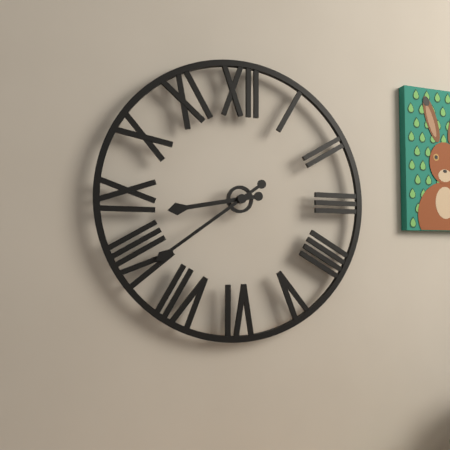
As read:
{"hour": 8, "minute": 39}
